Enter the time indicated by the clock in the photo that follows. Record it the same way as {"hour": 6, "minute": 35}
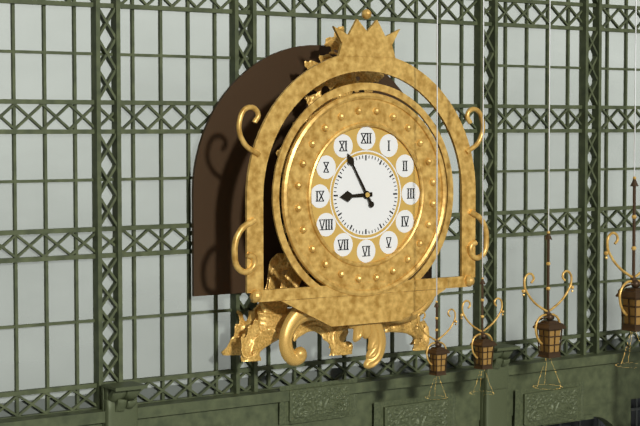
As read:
{"hour": 8, "minute": 55}
